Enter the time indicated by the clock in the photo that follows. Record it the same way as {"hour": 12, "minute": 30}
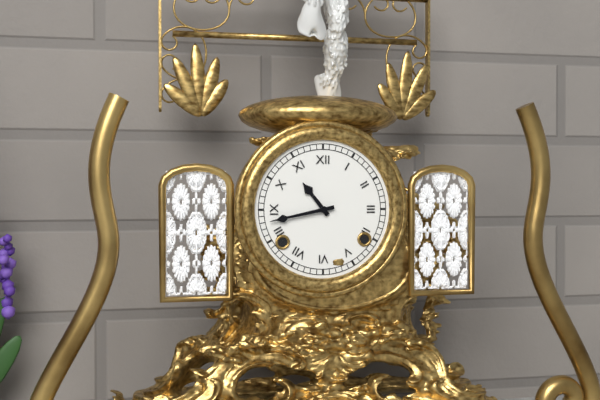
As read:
{"hour": 10, "minute": 43}
